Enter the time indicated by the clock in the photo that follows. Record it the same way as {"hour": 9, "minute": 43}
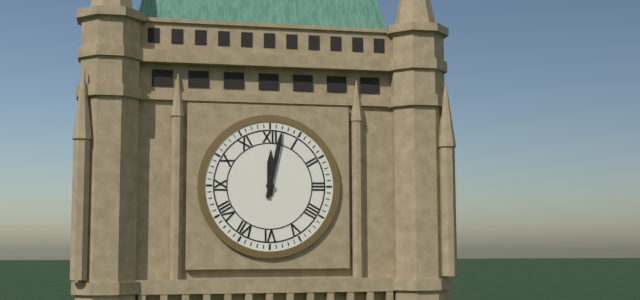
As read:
{"hour": 12, "minute": 2}
